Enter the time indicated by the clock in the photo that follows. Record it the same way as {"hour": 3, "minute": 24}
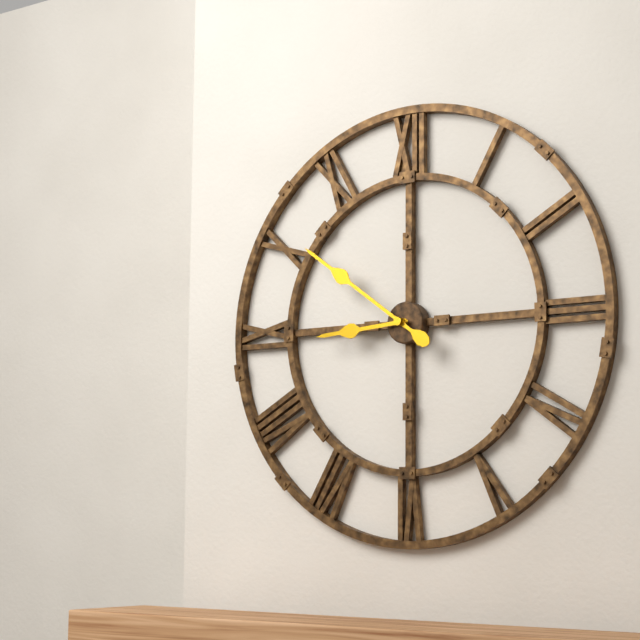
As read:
{"hour": 8, "minute": 51}
